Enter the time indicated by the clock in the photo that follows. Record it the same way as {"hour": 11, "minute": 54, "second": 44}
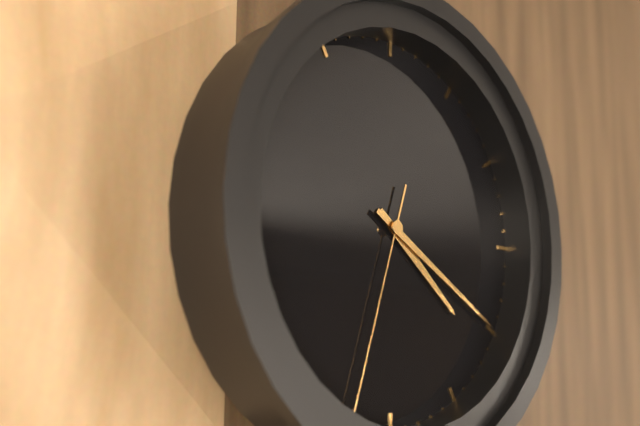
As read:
{"hour": 4, "minute": 20, "second": 33}
